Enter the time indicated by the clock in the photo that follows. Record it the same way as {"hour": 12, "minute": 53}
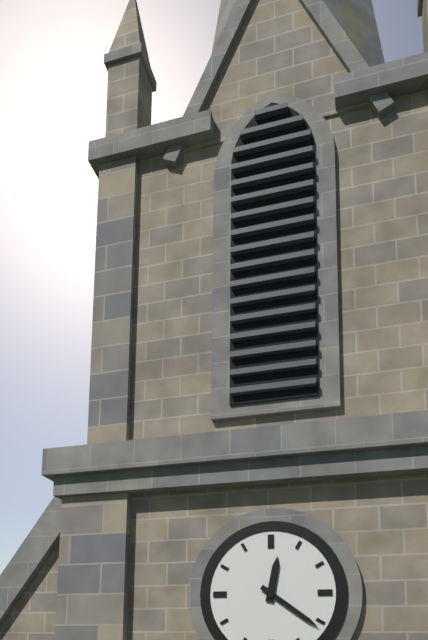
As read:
{"hour": 12, "minute": 21}
